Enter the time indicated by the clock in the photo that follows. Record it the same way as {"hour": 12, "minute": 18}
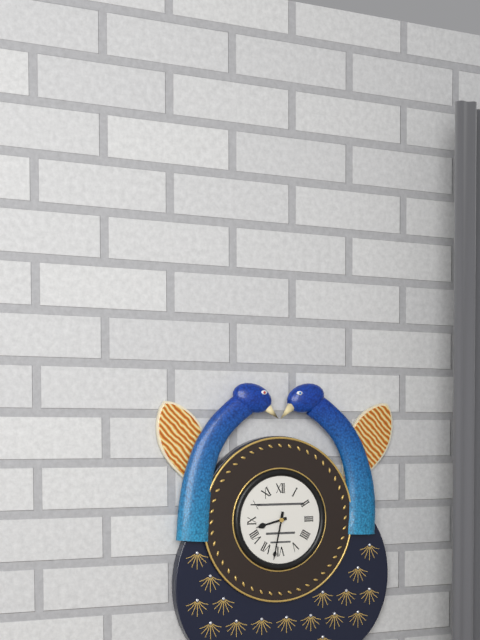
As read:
{"hour": 8, "minute": 32}
